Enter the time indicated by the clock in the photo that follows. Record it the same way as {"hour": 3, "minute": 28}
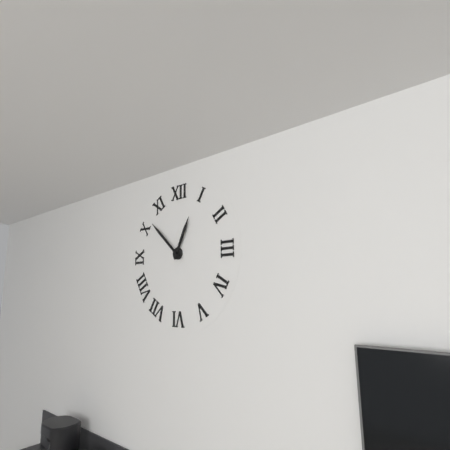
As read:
{"hour": 12, "minute": 52}
